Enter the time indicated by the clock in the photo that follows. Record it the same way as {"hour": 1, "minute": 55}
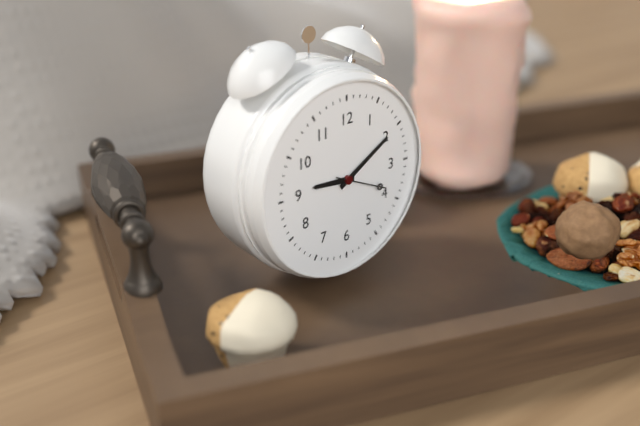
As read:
{"hour": 9, "minute": 10}
